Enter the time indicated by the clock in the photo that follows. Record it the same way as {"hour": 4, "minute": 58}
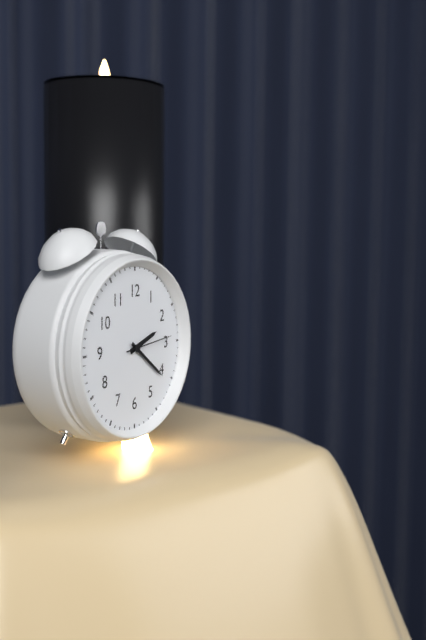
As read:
{"hour": 2, "minute": 21}
